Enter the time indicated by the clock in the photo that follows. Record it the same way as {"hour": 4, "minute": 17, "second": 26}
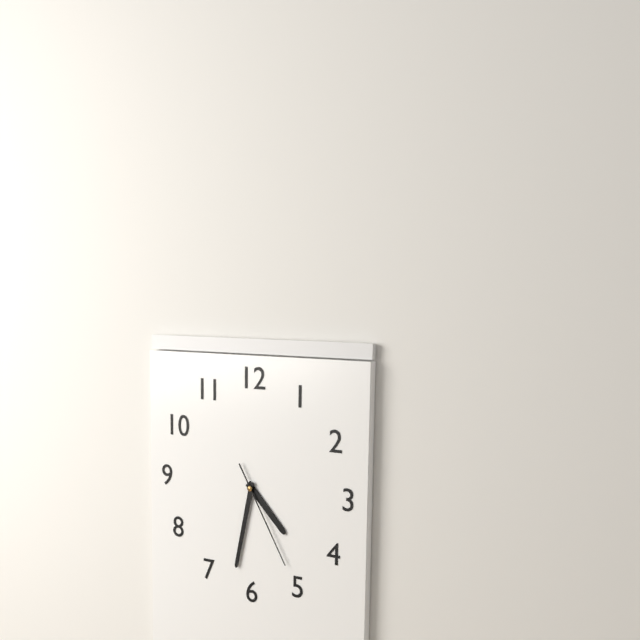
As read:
{"hour": 4, "minute": 32, "second": 25}
